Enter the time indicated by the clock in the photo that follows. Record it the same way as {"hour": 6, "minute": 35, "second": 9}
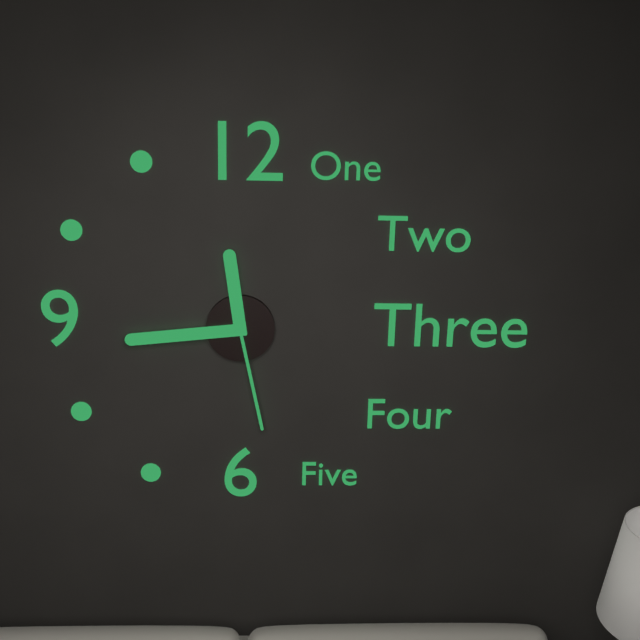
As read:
{"hour": 11, "minute": 44, "second": 28}
